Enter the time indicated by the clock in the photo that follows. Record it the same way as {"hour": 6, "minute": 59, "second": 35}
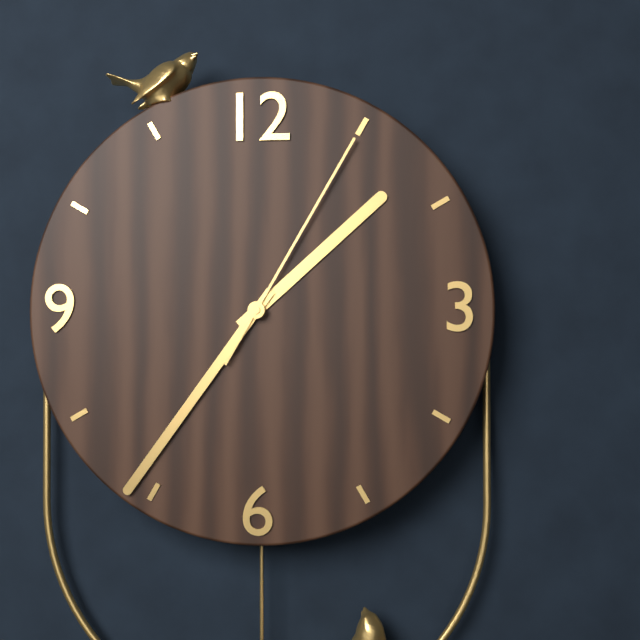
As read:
{"hour": 1, "minute": 36, "second": 5}
